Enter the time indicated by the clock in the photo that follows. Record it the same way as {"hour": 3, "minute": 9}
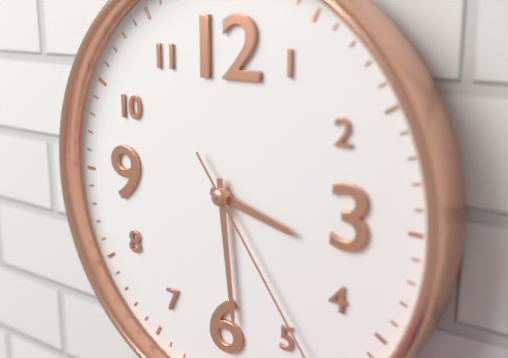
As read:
{"hour": 3, "minute": 29}
